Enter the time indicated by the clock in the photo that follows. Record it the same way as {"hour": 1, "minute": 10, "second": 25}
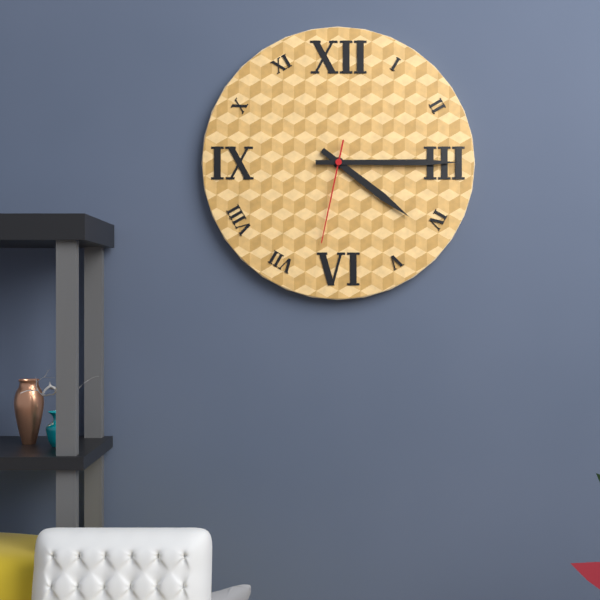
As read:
{"hour": 4, "minute": 15, "second": 32}
